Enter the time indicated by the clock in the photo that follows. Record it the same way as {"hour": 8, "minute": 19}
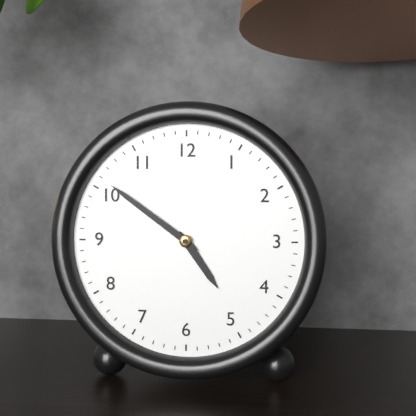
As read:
{"hour": 4, "minute": 51}
